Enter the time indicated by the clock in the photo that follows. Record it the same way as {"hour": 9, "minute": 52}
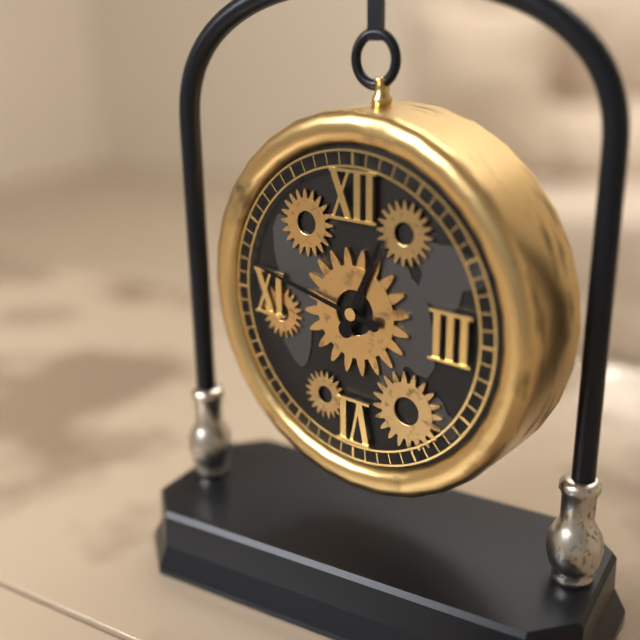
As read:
{"hour": 12, "minute": 47}
